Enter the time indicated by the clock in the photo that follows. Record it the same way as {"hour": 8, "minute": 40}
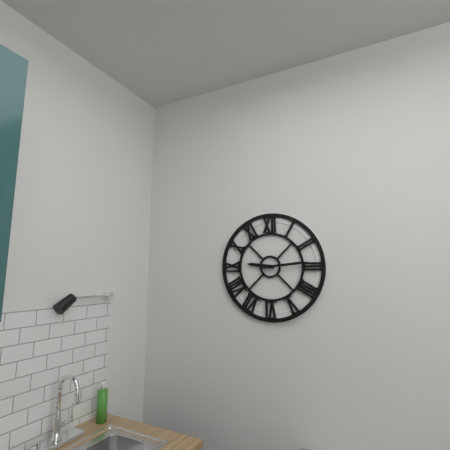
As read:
{"hour": 9, "minute": 14}
